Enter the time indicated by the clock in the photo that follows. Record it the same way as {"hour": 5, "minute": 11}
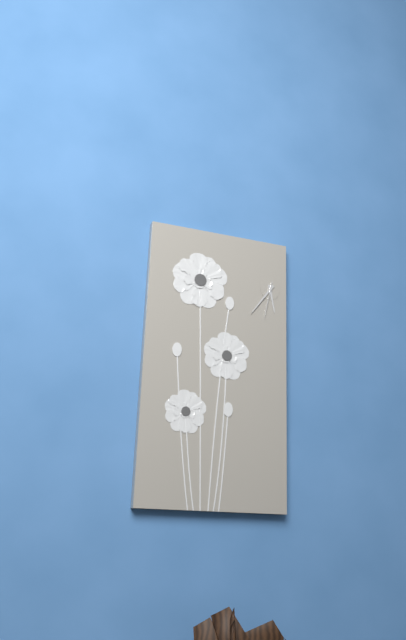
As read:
{"hour": 5, "minute": 36}
